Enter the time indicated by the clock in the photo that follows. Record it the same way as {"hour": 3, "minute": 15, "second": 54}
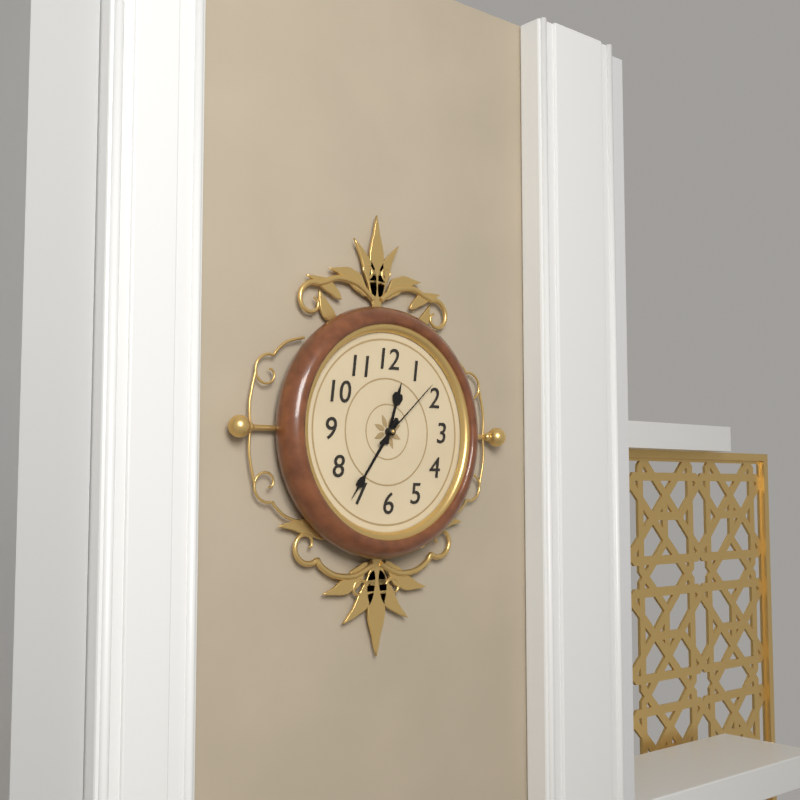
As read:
{"hour": 12, "minute": 36, "second": 8}
